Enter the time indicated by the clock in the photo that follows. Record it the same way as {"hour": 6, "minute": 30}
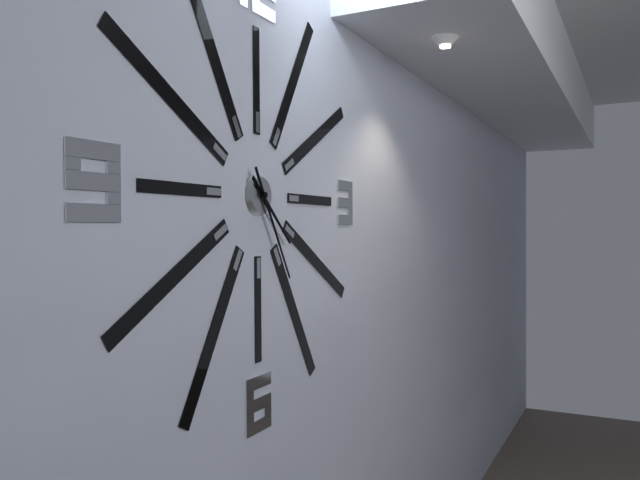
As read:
{"hour": 4, "minute": 25}
